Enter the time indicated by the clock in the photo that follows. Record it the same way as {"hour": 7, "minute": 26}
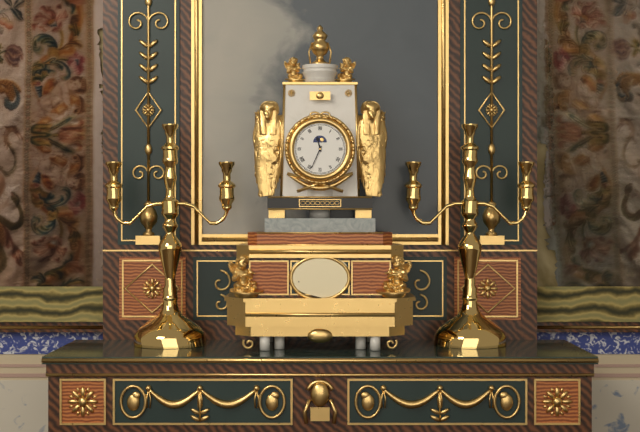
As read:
{"hour": 11, "minute": 34}
